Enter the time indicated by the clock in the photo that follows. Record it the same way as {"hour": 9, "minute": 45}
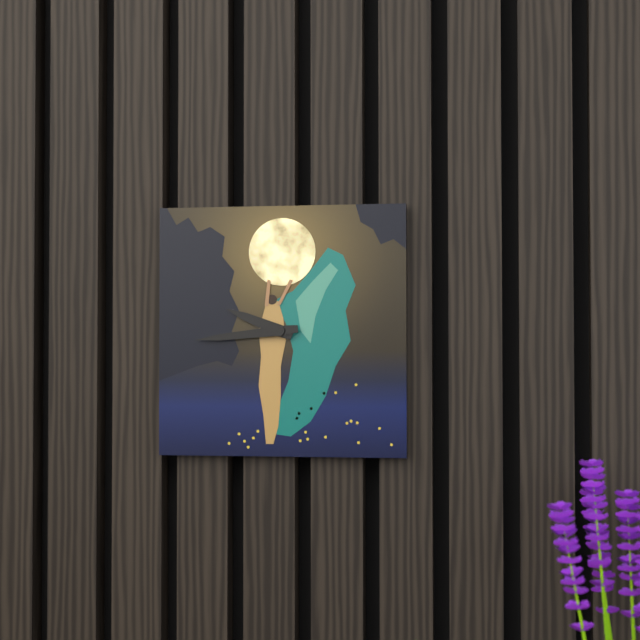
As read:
{"hour": 9, "minute": 44}
